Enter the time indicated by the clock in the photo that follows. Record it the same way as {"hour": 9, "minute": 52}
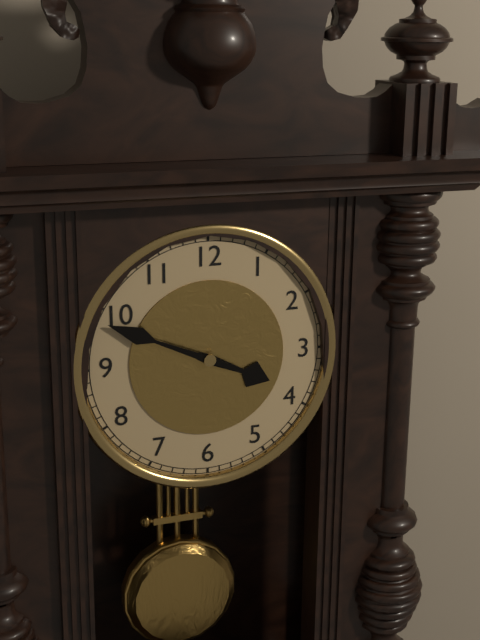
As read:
{"hour": 3, "minute": 49}
